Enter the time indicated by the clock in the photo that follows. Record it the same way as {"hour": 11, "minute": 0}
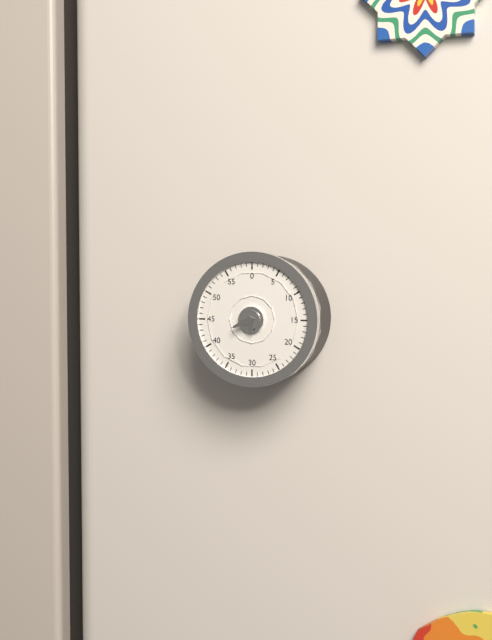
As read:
{"hour": 5, "minute": 41}
